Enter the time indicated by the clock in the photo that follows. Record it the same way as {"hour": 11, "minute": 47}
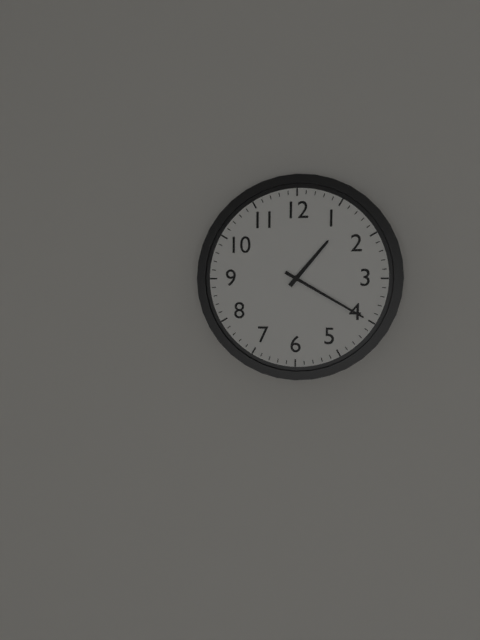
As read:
{"hour": 1, "minute": 20}
